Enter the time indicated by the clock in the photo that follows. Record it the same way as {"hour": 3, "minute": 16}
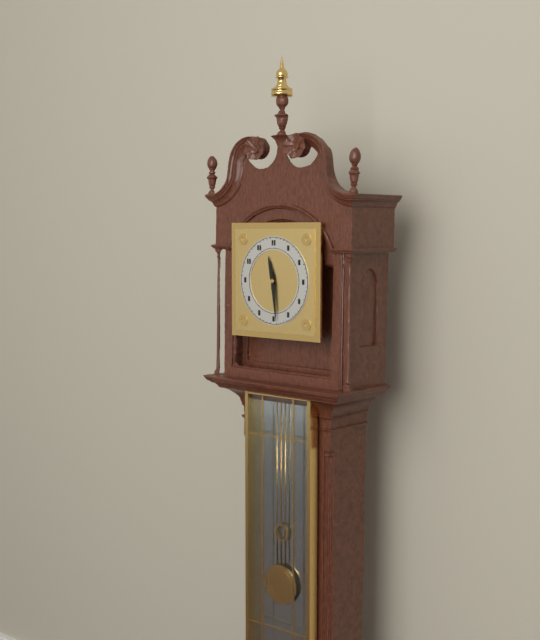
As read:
{"hour": 11, "minute": 29}
